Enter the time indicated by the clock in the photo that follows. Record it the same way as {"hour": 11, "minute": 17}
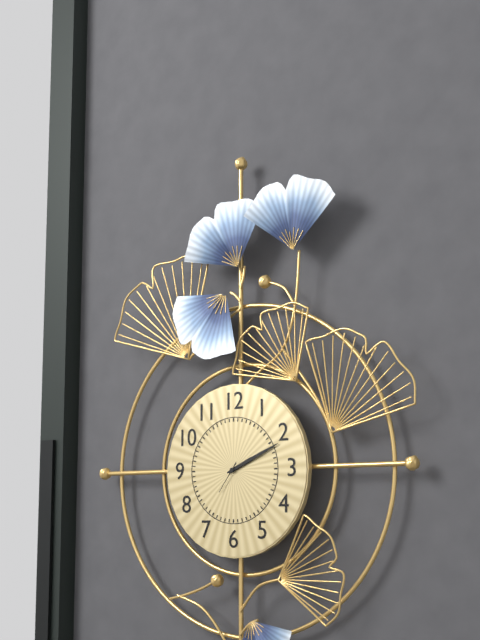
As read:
{"hour": 2, "minute": 11}
